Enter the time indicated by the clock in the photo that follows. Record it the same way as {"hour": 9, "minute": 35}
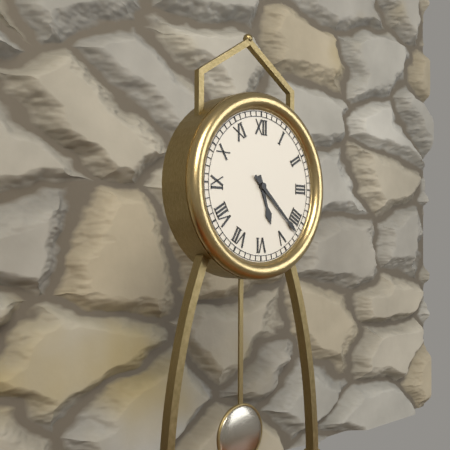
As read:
{"hour": 5, "minute": 22}
